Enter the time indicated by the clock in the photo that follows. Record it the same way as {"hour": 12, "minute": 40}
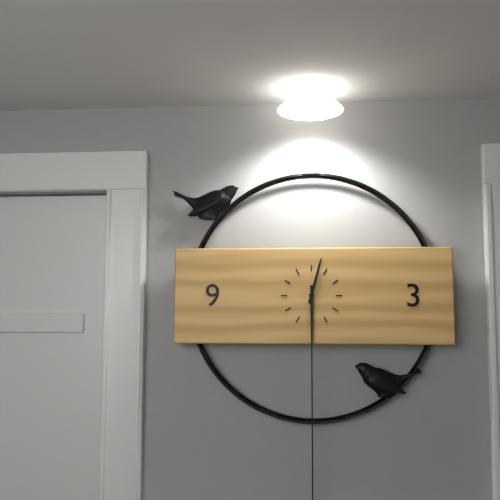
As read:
{"hour": 12, "minute": 30}
